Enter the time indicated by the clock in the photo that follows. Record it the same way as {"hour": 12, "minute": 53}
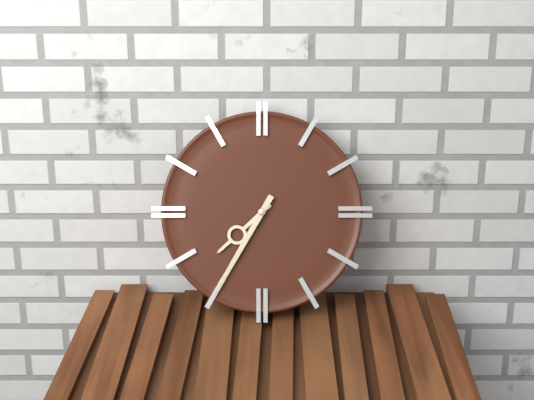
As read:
{"hour": 7, "minute": 35}
